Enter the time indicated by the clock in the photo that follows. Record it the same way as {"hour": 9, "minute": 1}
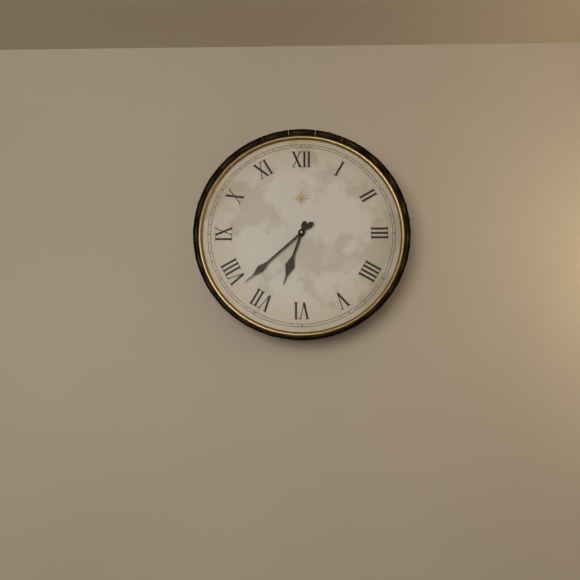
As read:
{"hour": 6, "minute": 38}
